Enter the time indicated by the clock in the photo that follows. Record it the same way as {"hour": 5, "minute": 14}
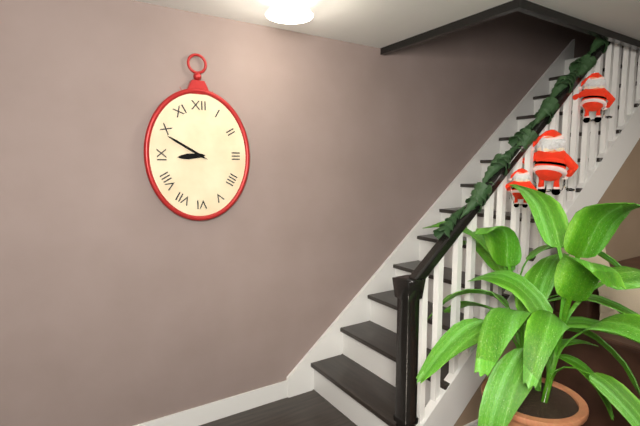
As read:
{"hour": 8, "minute": 50}
